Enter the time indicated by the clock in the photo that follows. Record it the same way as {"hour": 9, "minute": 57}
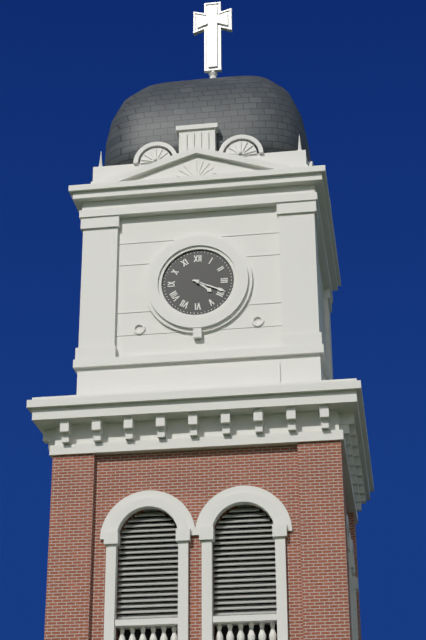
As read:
{"hour": 4, "minute": 19}
